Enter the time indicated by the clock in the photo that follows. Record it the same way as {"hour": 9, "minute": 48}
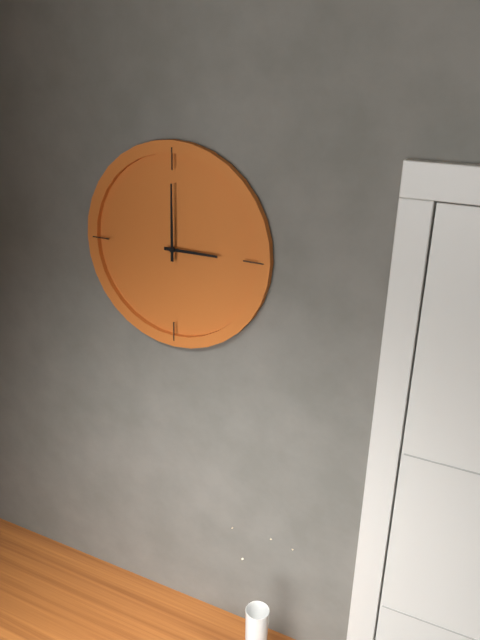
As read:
{"hour": 3, "minute": 0}
